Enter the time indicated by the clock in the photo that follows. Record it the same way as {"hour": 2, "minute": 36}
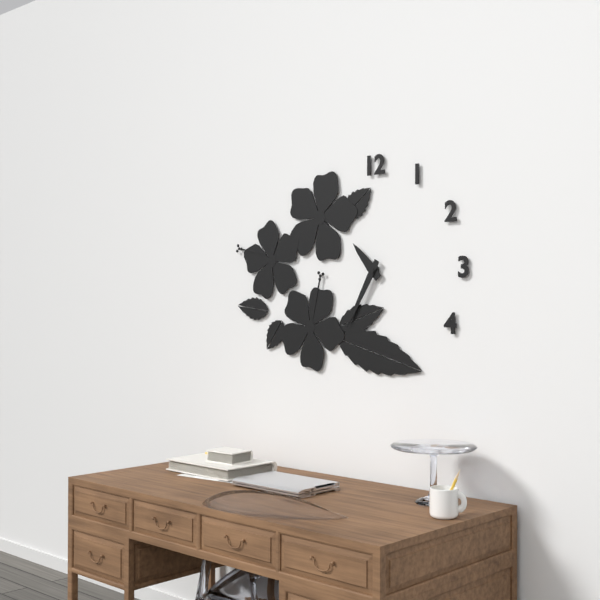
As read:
{"hour": 10, "minute": 35}
